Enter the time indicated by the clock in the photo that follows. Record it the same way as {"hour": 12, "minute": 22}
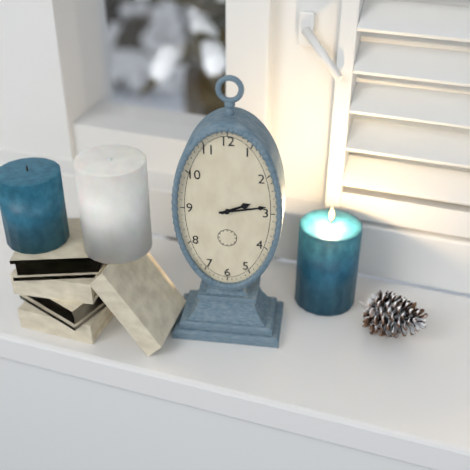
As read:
{"hour": 2, "minute": 13}
